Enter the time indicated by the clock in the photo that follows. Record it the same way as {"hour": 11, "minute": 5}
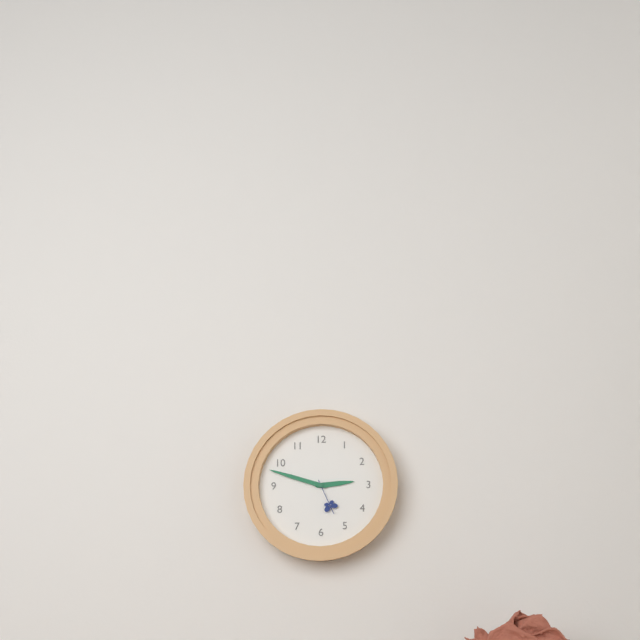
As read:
{"hour": 2, "minute": 48}
